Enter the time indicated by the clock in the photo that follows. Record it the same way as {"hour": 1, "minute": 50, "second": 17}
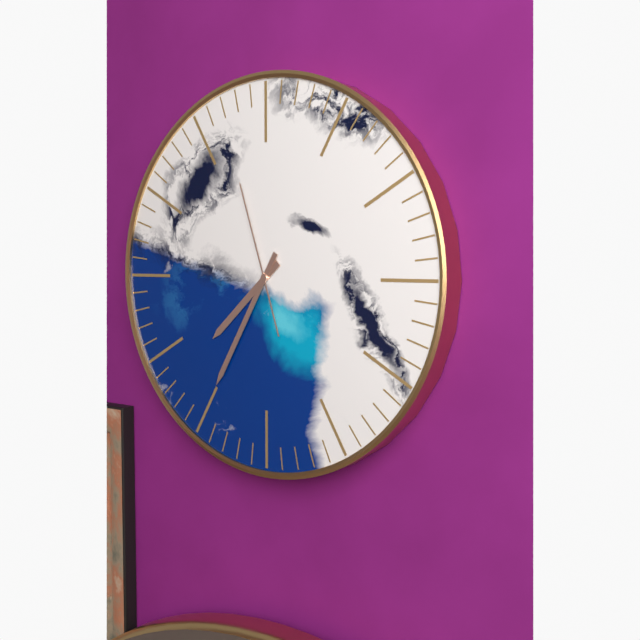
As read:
{"hour": 7, "minute": 35, "second": 57}
